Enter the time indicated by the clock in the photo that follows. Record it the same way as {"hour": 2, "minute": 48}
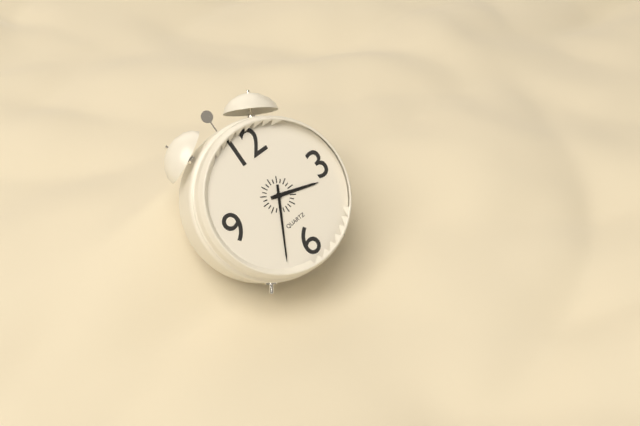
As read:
{"hour": 3, "minute": 35}
